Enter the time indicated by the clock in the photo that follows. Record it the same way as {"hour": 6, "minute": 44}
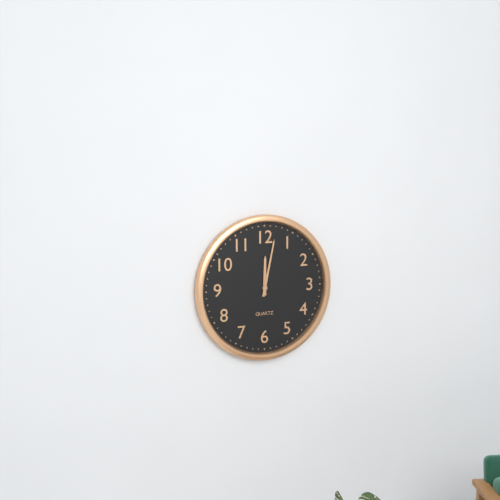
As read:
{"hour": 12, "minute": 2}
